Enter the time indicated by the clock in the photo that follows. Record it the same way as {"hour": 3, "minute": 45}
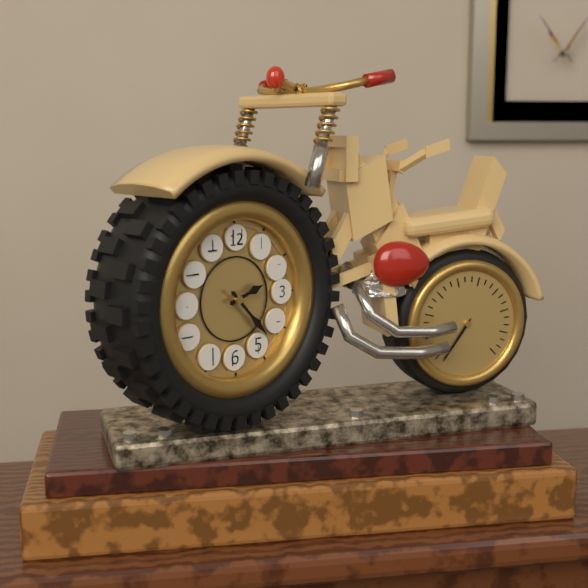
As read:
{"hour": 2, "minute": 23}
